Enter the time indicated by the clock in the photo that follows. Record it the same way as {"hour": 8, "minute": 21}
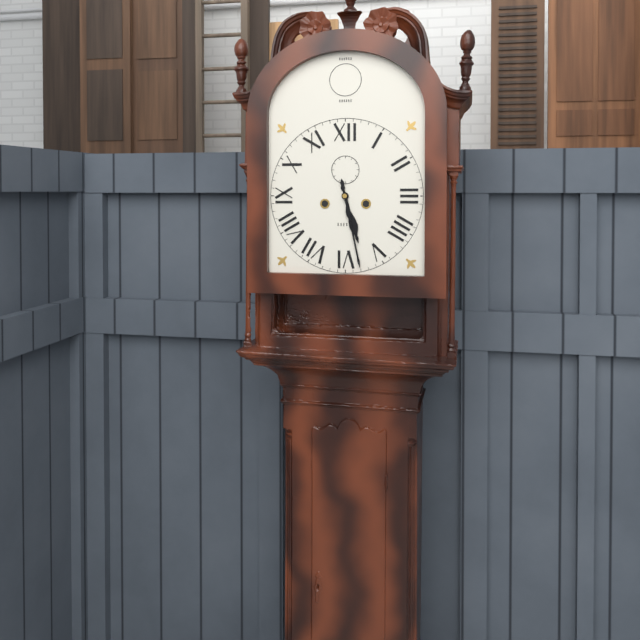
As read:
{"hour": 5, "minute": 28}
